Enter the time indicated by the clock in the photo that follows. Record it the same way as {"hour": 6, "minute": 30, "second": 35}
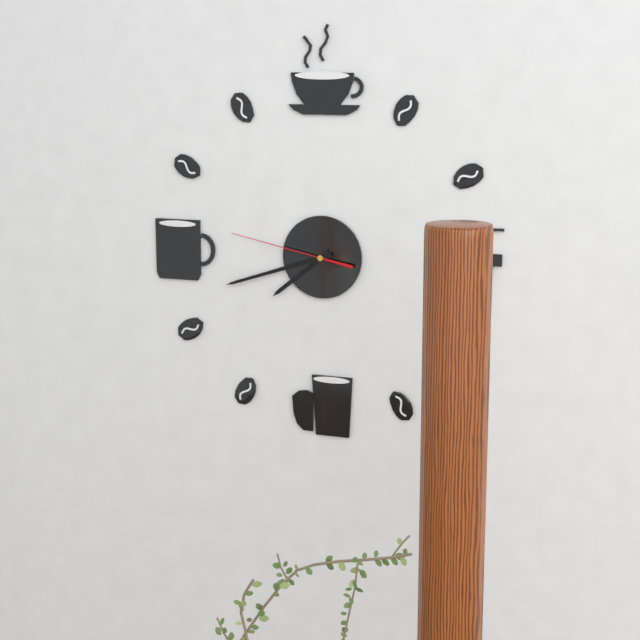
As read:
{"hour": 7, "minute": 42, "second": 47}
